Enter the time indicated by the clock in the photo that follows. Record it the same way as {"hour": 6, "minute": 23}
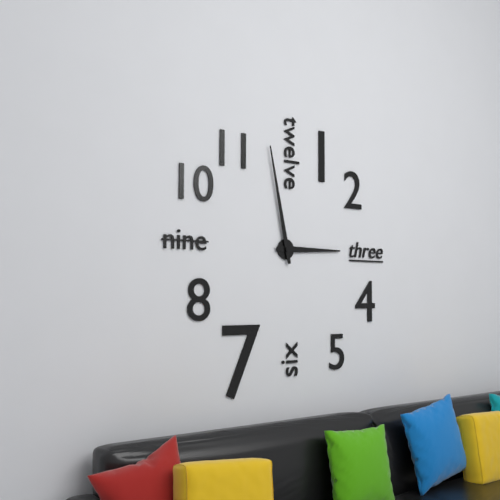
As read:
{"hour": 2, "minute": 58}
